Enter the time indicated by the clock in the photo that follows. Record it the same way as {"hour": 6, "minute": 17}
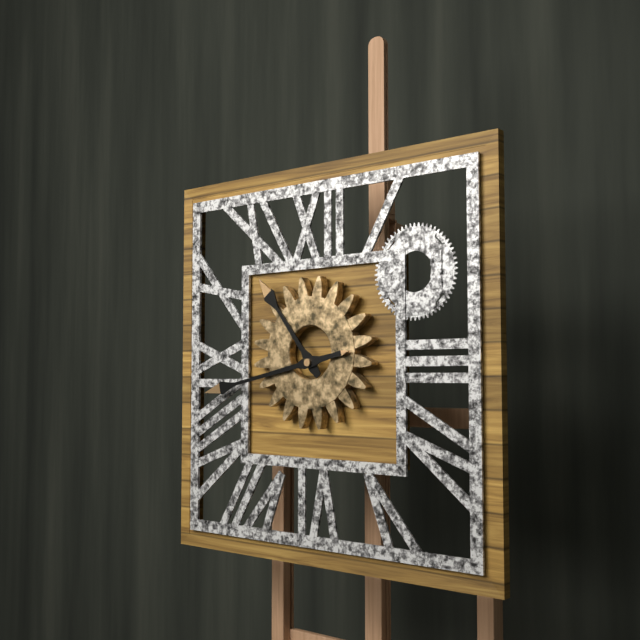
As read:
{"hour": 10, "minute": 43}
